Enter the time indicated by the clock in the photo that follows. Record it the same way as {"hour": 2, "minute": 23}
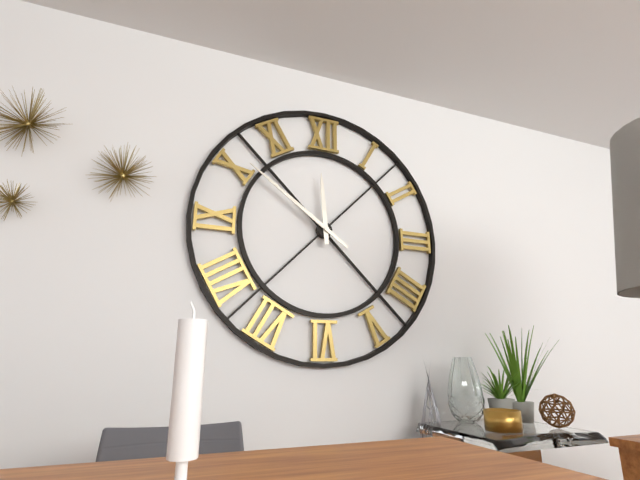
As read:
{"hour": 11, "minute": 51}
